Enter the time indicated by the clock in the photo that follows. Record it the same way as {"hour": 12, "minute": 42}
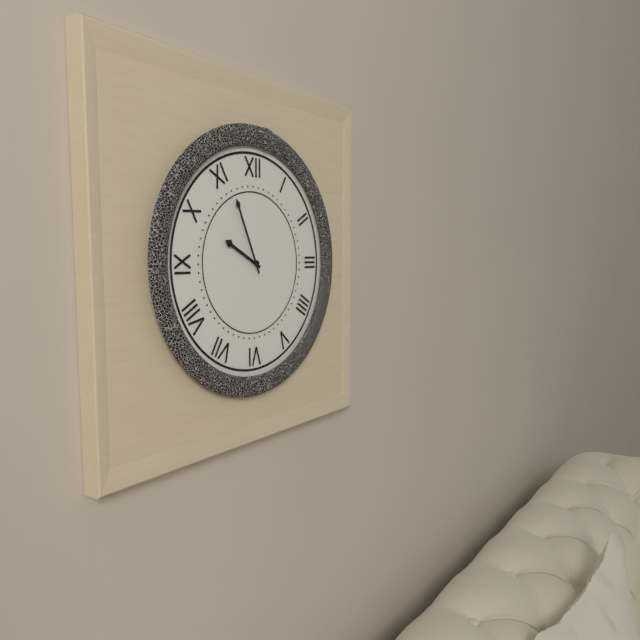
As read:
{"hour": 9, "minute": 56}
